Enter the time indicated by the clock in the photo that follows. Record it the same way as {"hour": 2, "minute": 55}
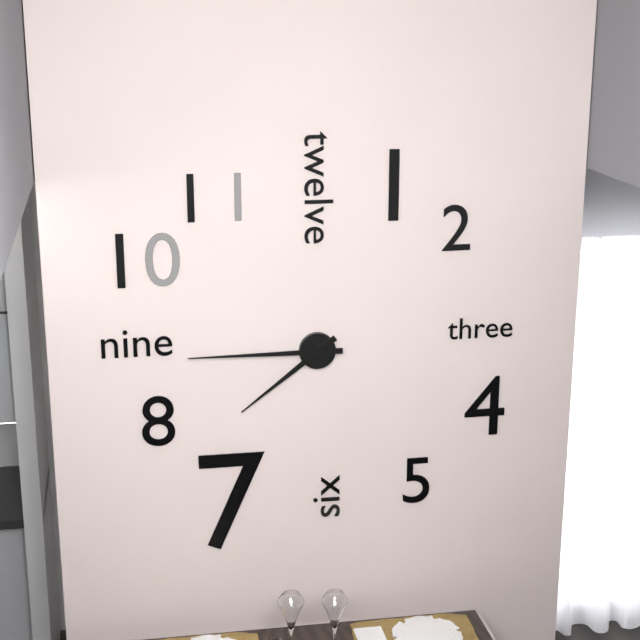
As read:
{"hour": 7, "minute": 45}
